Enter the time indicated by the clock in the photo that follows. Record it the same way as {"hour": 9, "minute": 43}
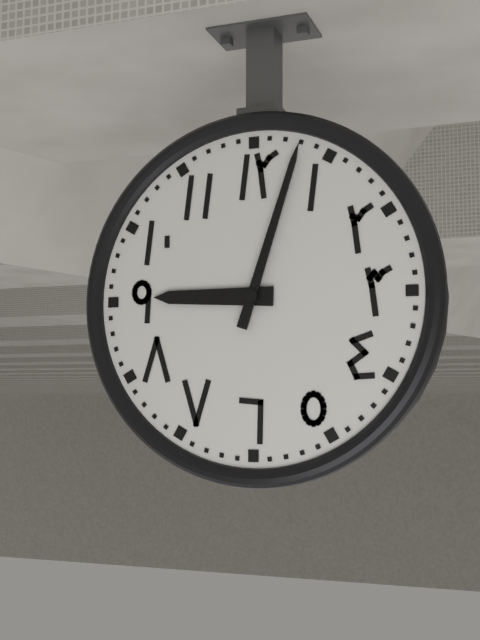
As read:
{"hour": 9, "minute": 3}
